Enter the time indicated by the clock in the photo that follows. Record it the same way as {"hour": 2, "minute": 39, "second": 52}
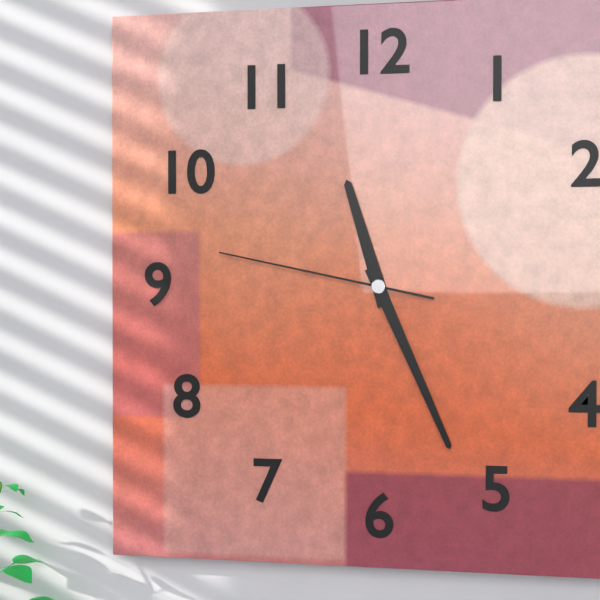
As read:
{"hour": 11, "minute": 26, "second": 47}
